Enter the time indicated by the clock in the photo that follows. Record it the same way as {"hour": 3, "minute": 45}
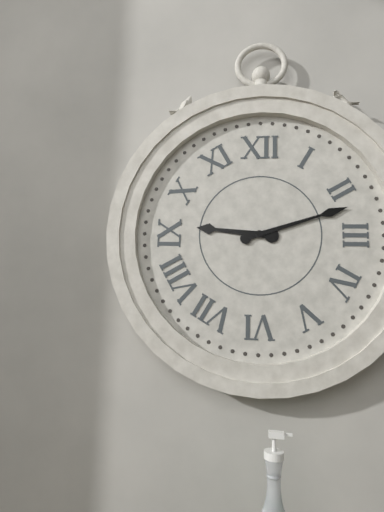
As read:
{"hour": 9, "minute": 12}
